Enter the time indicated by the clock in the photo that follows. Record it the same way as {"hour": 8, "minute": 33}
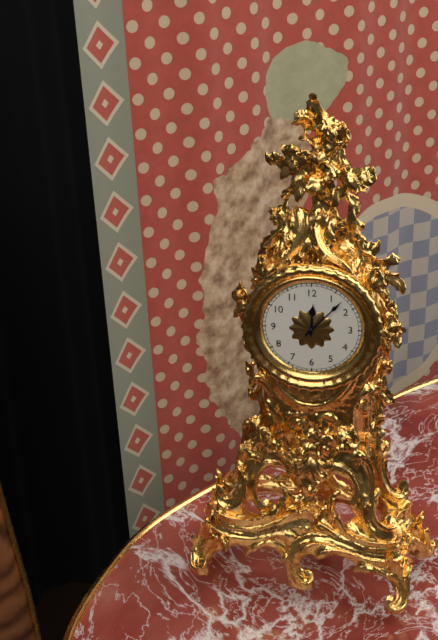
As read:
{"hour": 12, "minute": 7}
